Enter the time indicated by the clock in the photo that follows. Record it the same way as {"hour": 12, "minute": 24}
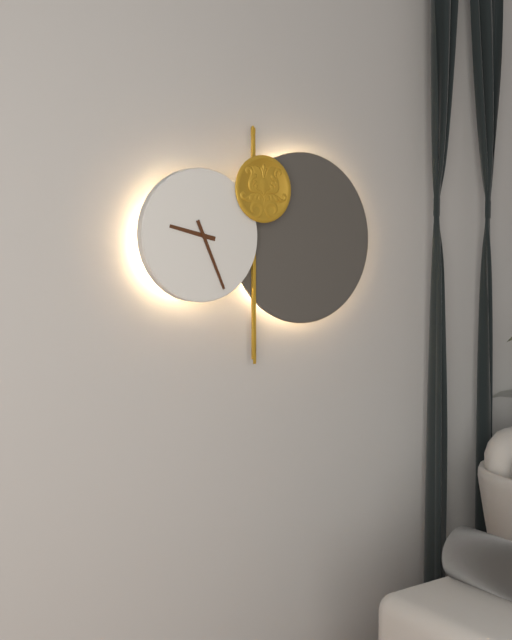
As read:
{"hour": 9, "minute": 26}
